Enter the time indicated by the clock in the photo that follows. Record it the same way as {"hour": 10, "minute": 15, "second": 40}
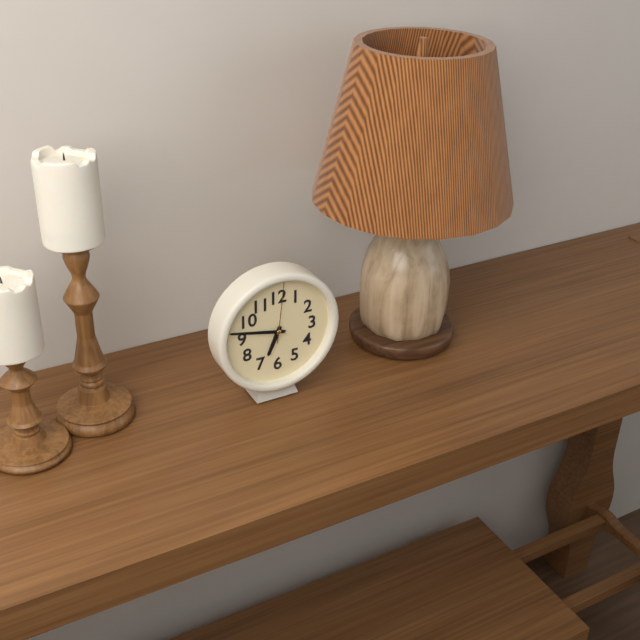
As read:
{"hour": 6, "minute": 47, "second": 1}
